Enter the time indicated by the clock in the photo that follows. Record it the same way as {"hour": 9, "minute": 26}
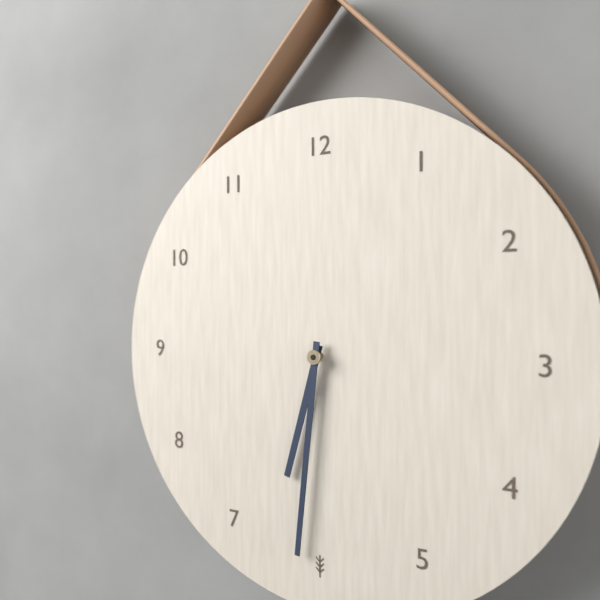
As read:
{"hour": 6, "minute": 31}
